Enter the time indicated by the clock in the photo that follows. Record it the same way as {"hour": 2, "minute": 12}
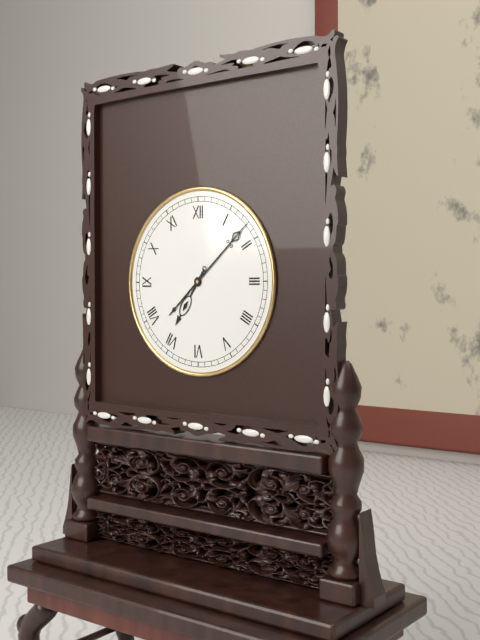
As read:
{"hour": 7, "minute": 8}
